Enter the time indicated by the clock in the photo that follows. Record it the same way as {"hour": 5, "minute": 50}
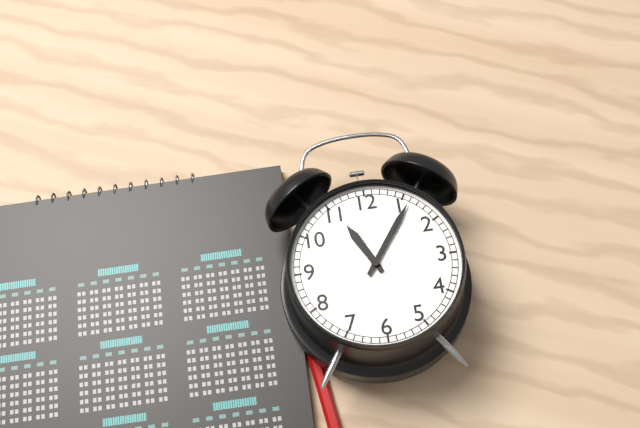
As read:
{"hour": 11, "minute": 6}
